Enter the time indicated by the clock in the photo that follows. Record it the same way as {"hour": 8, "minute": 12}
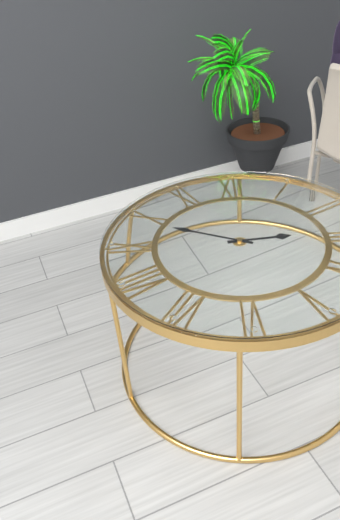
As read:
{"hour": 2, "minute": 49}
